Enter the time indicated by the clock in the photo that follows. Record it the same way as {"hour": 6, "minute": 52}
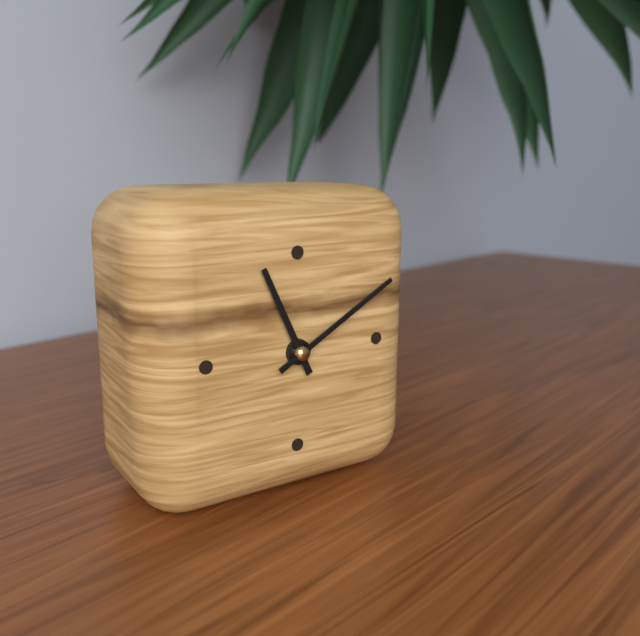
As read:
{"hour": 11, "minute": 10}
